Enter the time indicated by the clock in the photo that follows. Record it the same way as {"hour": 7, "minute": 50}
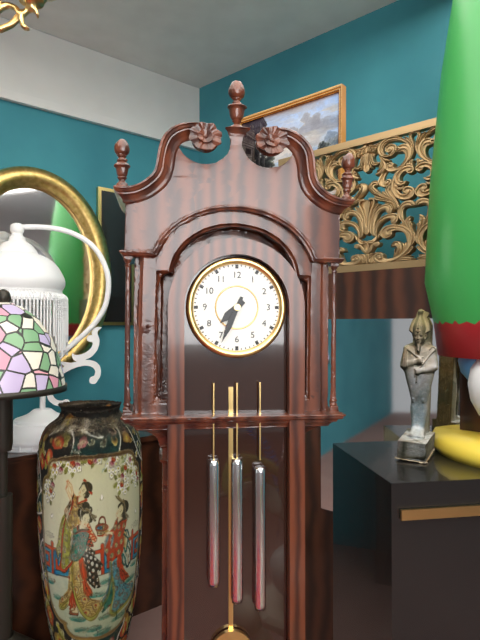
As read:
{"hour": 7, "minute": 34}
